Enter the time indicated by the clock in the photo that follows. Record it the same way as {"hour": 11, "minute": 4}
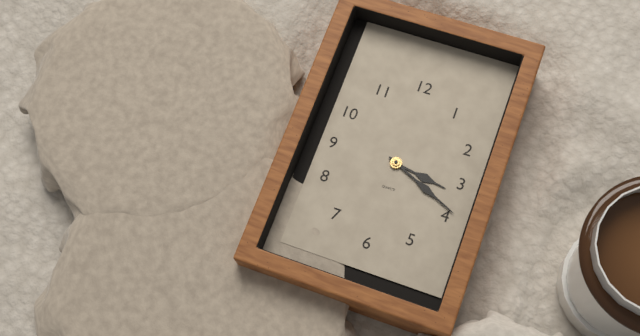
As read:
{"hour": 3, "minute": 19}
